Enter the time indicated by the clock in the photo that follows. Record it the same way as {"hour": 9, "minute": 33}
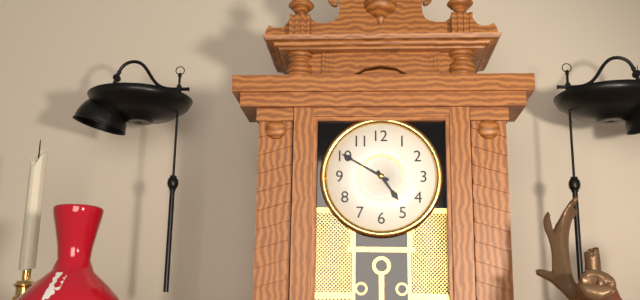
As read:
{"hour": 4, "minute": 50}
